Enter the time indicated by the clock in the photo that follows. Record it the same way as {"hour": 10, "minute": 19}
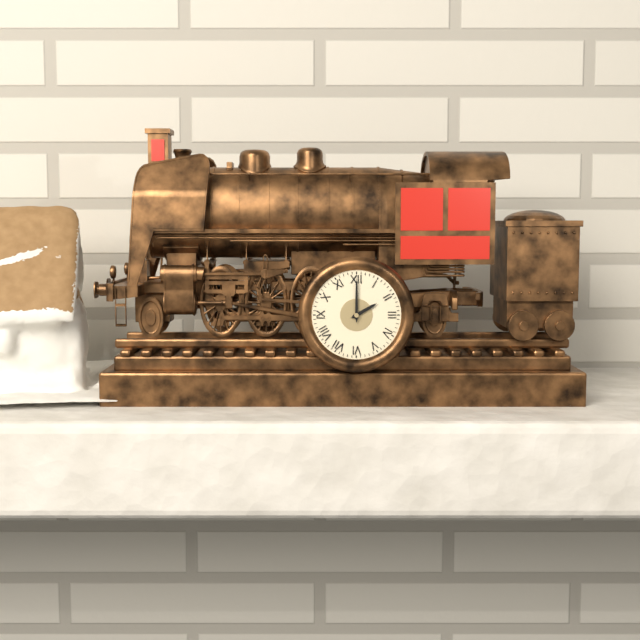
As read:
{"hour": 2, "minute": 0}
